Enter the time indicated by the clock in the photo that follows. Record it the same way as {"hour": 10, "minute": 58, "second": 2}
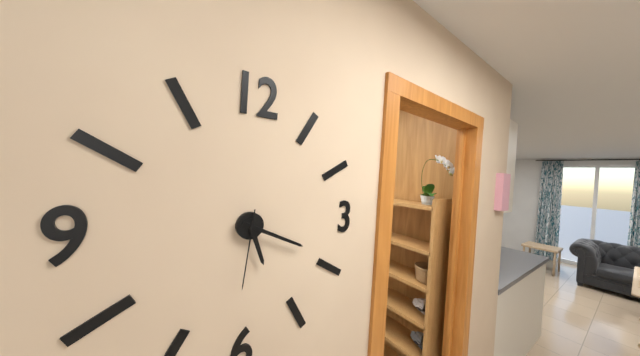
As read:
{"hour": 5, "minute": 19, "second": 31}
